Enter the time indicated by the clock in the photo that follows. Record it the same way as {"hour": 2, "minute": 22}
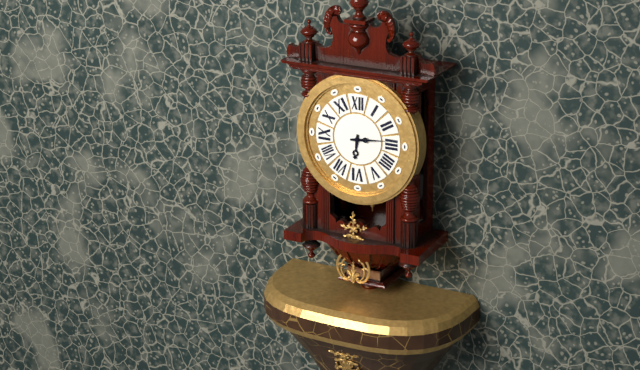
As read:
{"hour": 6, "minute": 14}
